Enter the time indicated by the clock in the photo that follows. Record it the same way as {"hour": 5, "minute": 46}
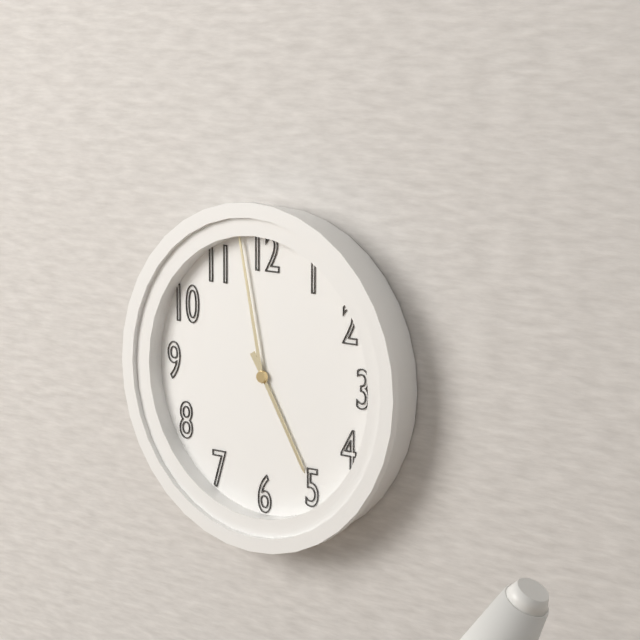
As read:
{"hour": 4, "minute": 58}
